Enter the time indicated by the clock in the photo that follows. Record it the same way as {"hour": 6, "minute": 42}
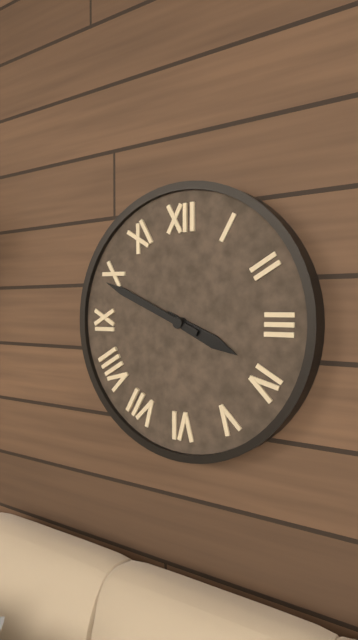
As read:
{"hour": 3, "minute": 49}
